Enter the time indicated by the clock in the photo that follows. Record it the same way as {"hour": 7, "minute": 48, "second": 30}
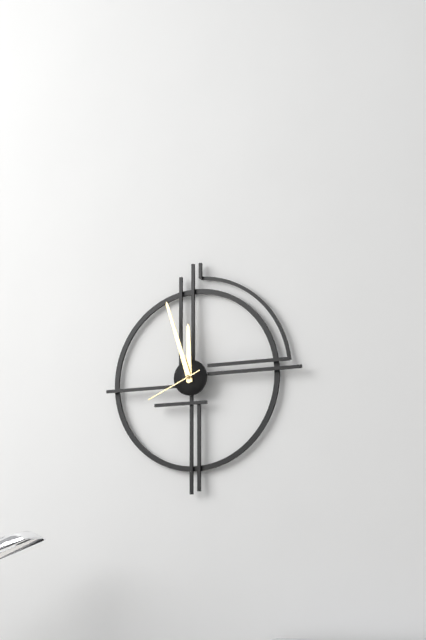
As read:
{"hour": 11, "minute": 57, "second": 41}
